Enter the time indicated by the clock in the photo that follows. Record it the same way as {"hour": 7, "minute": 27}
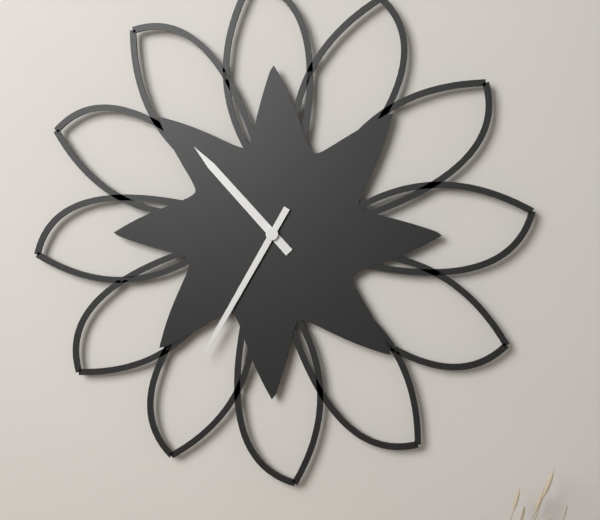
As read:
{"hour": 10, "minute": 35}
